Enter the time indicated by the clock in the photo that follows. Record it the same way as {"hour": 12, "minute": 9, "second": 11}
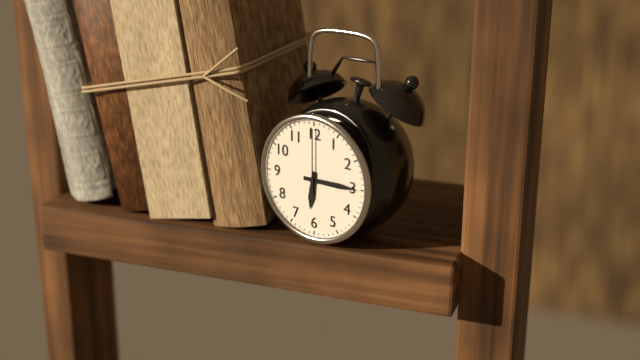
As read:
{"hour": 6, "minute": 15, "second": 0}
